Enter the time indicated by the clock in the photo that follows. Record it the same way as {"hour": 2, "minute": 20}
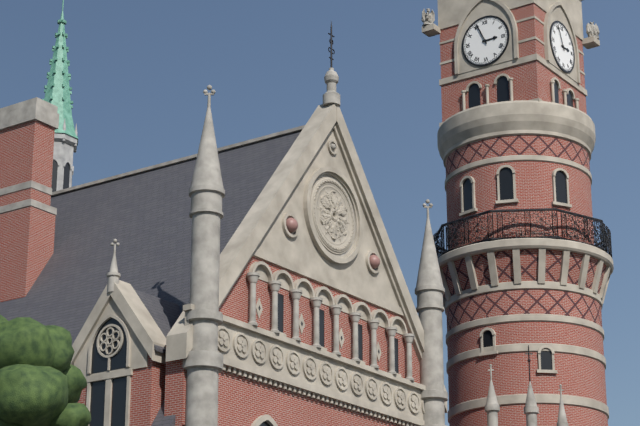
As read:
{"hour": 2, "minute": 56}
